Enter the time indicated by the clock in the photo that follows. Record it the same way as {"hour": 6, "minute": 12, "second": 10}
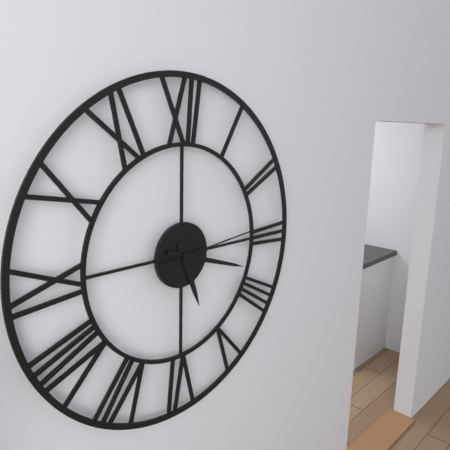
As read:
{"hour": 5, "minute": 18, "second": 14}
